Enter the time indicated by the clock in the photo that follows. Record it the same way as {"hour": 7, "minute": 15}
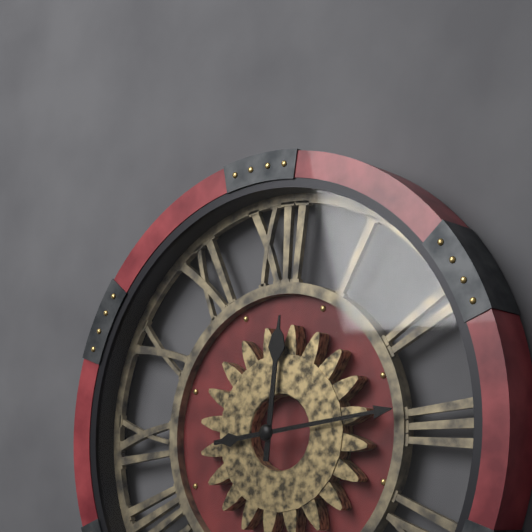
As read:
{"hour": 12, "minute": 14}
